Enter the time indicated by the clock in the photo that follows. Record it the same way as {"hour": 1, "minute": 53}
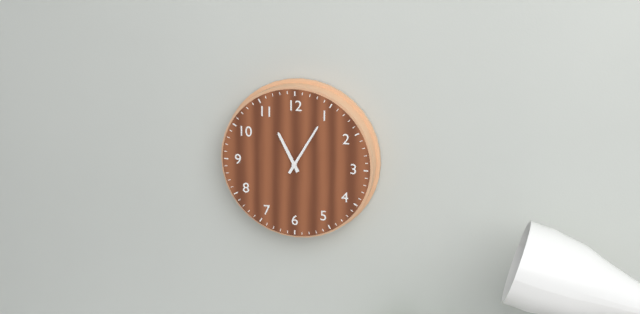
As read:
{"hour": 11, "minute": 5}
